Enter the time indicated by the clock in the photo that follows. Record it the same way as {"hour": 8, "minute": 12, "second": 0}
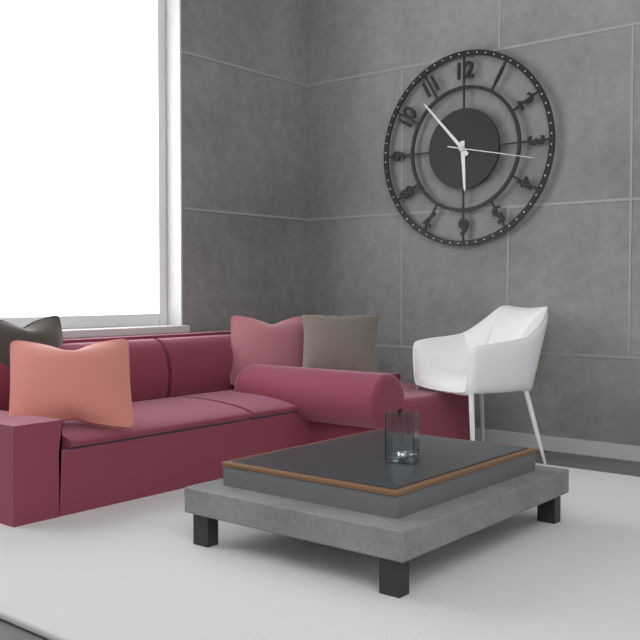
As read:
{"hour": 5, "minute": 53, "second": 17}
